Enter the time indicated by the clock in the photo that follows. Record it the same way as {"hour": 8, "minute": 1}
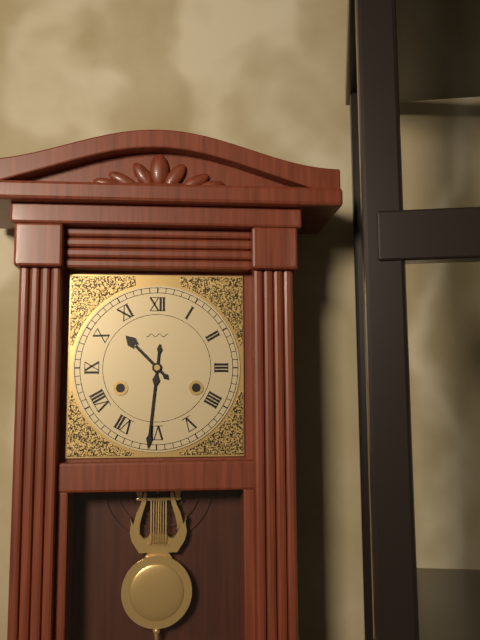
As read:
{"hour": 10, "minute": 31}
